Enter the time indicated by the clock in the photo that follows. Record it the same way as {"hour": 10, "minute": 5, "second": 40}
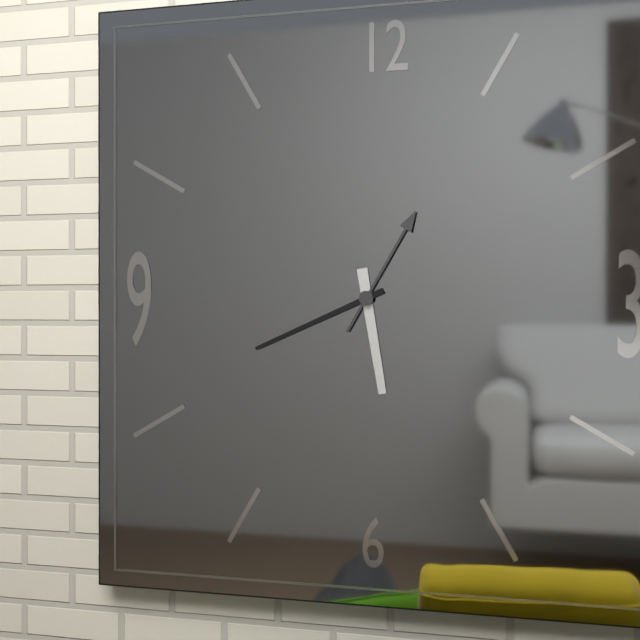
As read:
{"hour": 5, "minute": 41, "second": 5}
